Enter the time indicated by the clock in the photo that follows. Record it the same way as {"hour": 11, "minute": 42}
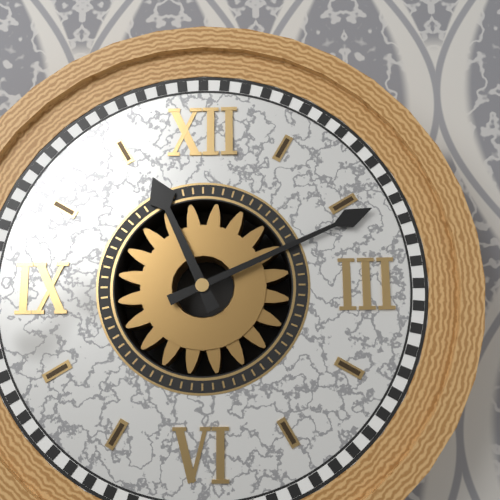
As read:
{"hour": 11, "minute": 11}
